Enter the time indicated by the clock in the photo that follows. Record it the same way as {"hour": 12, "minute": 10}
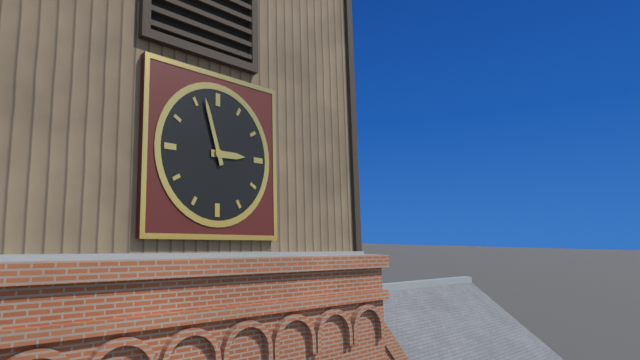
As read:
{"hour": 2, "minute": 57}
